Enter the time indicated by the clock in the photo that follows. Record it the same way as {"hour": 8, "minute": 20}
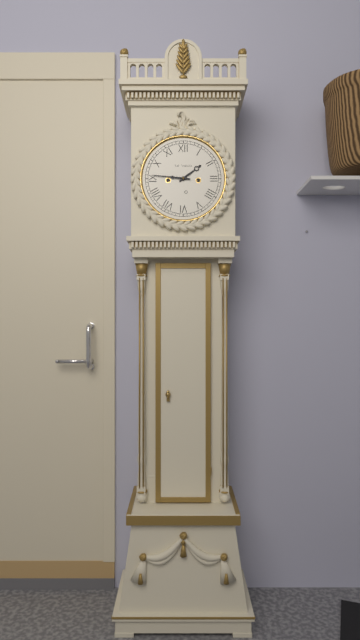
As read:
{"hour": 1, "minute": 46}
